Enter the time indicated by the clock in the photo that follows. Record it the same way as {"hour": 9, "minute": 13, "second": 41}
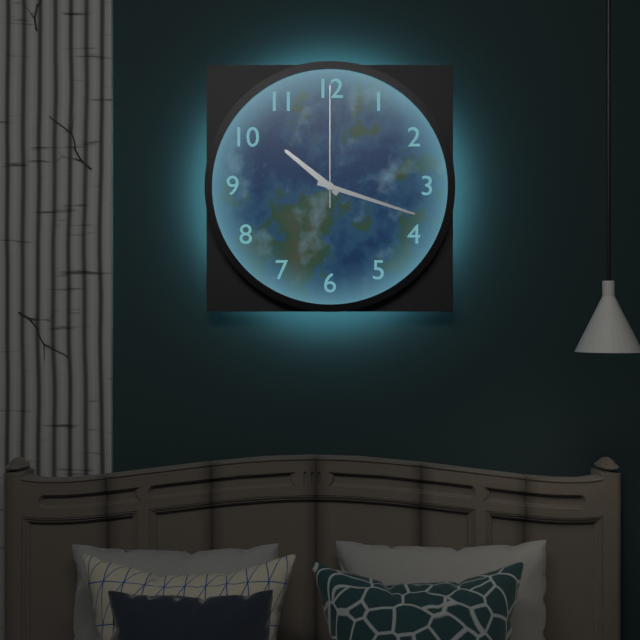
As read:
{"hour": 10, "minute": 18, "second": 0}
